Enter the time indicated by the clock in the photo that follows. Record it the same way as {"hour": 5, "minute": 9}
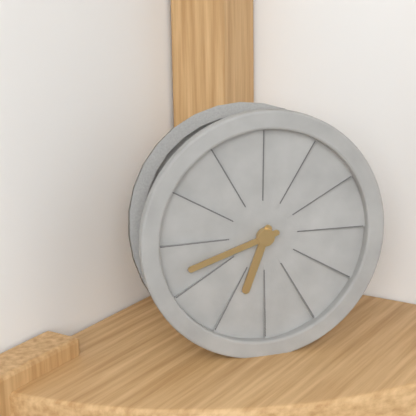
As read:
{"hour": 6, "minute": 42}
